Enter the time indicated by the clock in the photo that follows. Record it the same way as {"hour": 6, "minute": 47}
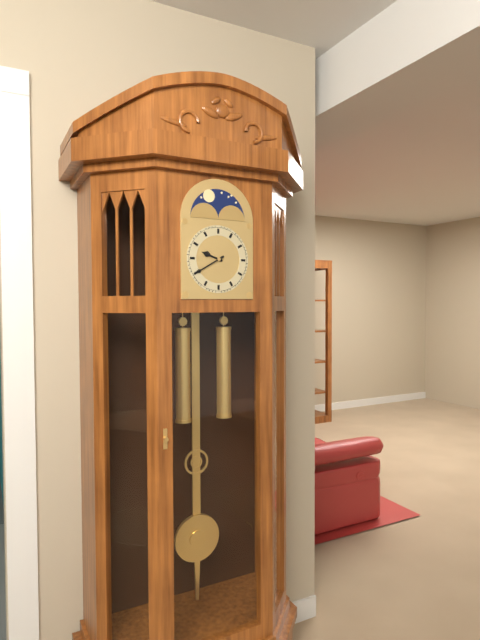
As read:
{"hour": 9, "minute": 40}
